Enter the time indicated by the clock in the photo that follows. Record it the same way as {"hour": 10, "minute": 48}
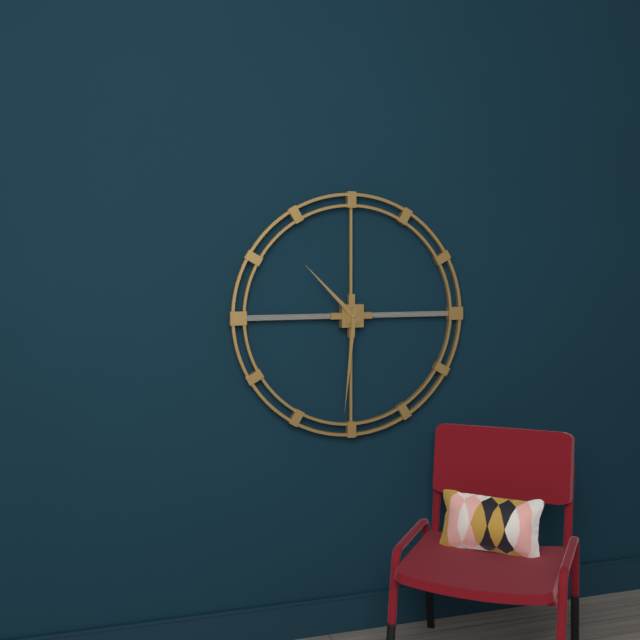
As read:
{"hour": 10, "minute": 31}
